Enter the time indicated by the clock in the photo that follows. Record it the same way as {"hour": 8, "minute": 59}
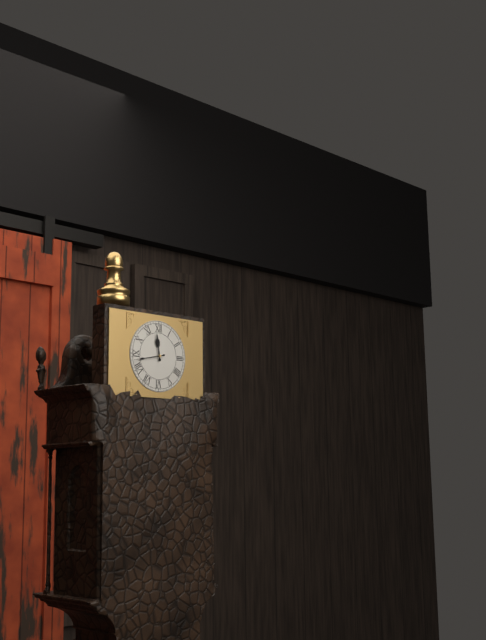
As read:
{"hour": 11, "minute": 43}
